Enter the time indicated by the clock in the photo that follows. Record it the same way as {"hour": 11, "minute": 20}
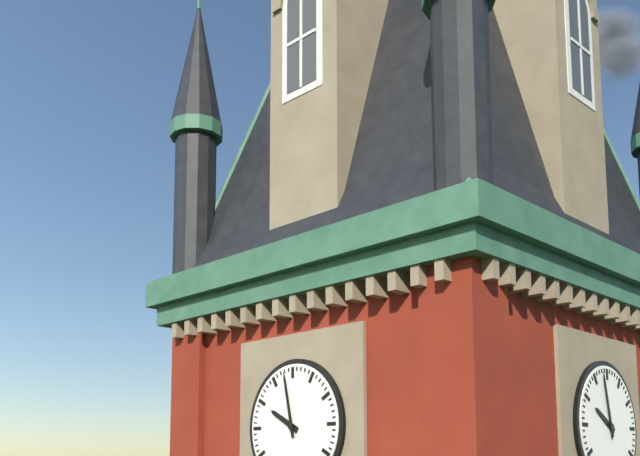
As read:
{"hour": 9, "minute": 58}
